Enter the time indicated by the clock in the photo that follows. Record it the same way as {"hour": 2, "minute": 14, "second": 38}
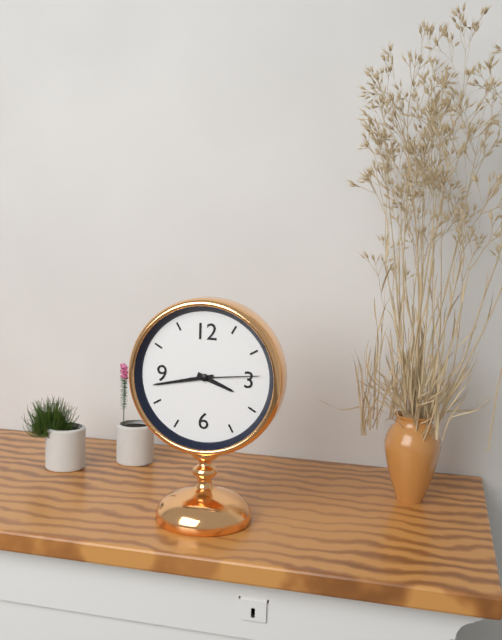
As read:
{"hour": 3, "minute": 43, "second": 14}
